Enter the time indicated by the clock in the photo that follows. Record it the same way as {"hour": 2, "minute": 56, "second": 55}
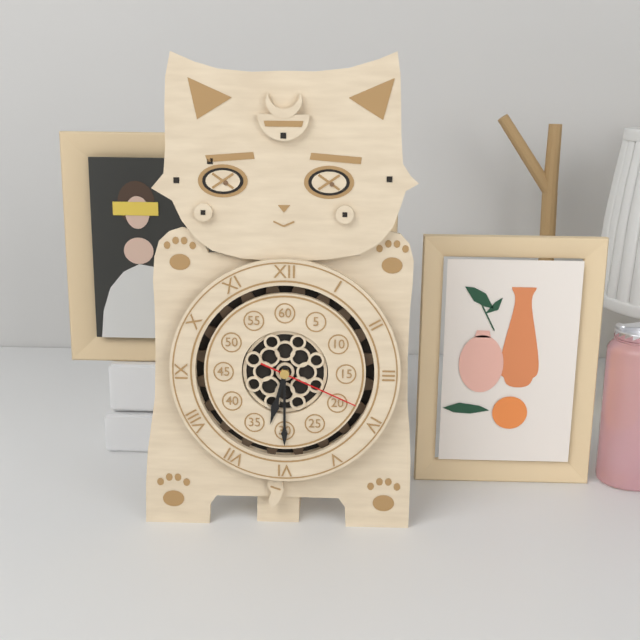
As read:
{"hour": 6, "minute": 30, "second": 19}
